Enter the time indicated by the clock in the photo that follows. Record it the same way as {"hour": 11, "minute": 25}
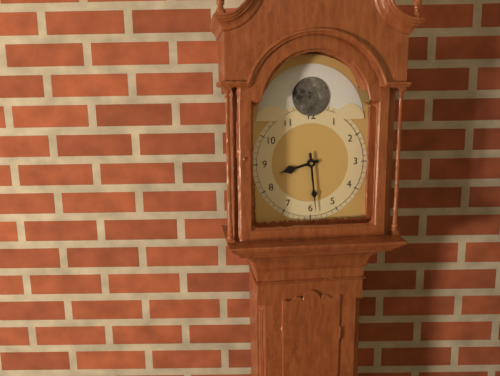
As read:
{"hour": 8, "minute": 29}
